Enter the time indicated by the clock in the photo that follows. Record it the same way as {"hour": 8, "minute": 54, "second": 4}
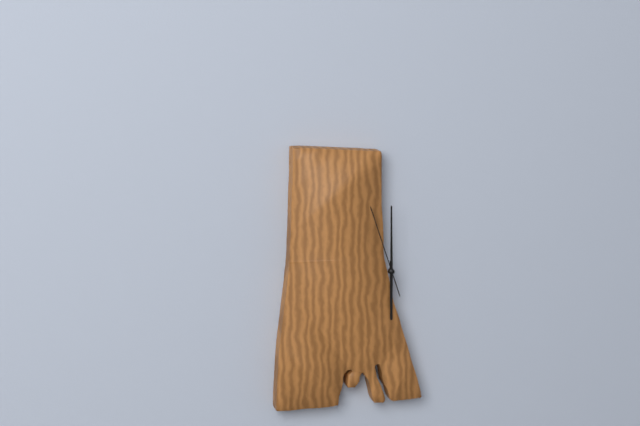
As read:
{"hour": 6, "minute": 0, "second": 57}
